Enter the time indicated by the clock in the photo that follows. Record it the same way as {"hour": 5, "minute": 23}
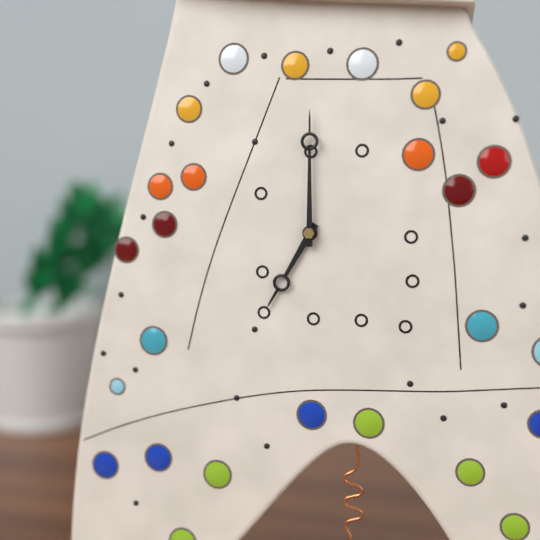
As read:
{"hour": 7, "minute": 0}
